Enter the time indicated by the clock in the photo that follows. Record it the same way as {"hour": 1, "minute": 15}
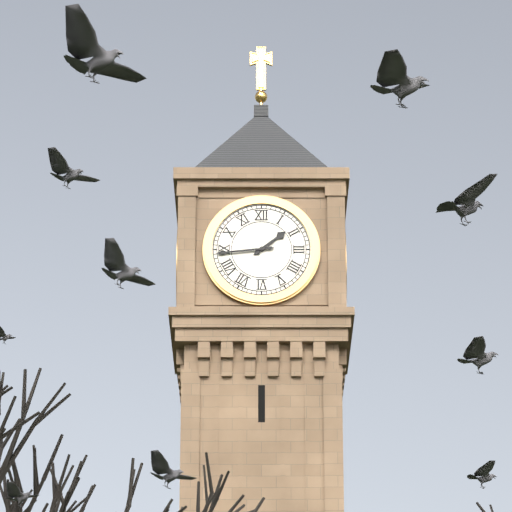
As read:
{"hour": 1, "minute": 44}
